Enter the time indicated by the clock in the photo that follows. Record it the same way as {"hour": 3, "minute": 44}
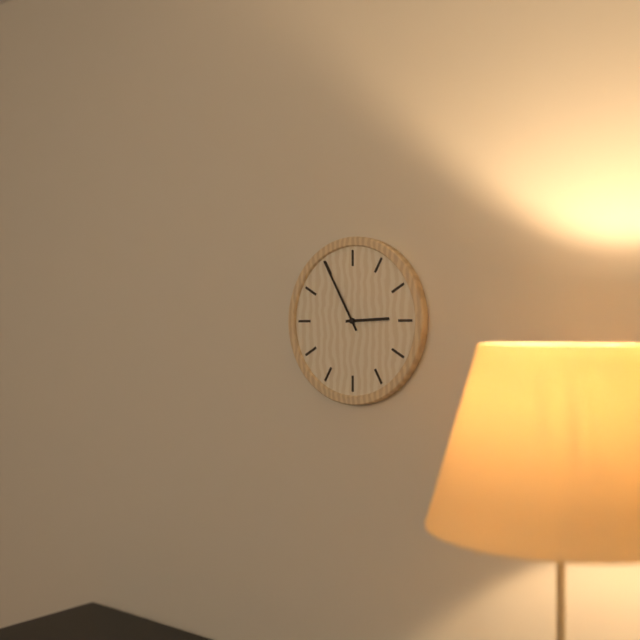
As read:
{"hour": 2, "minute": 55}
